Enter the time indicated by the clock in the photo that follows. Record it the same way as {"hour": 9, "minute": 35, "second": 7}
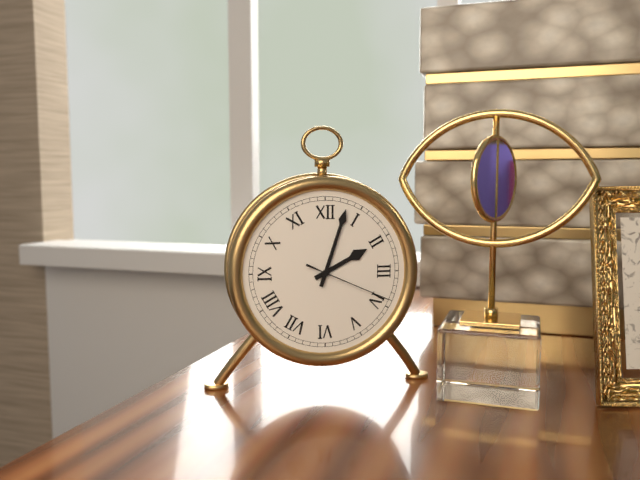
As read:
{"hour": 2, "minute": 3, "second": 19}
